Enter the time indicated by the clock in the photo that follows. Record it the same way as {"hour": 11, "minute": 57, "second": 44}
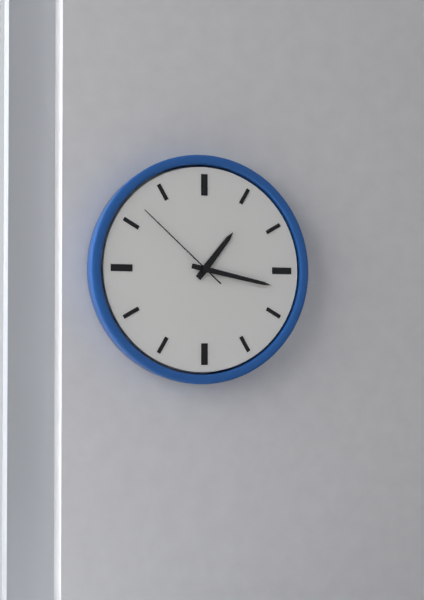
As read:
{"hour": 1, "minute": 17, "second": 52}
